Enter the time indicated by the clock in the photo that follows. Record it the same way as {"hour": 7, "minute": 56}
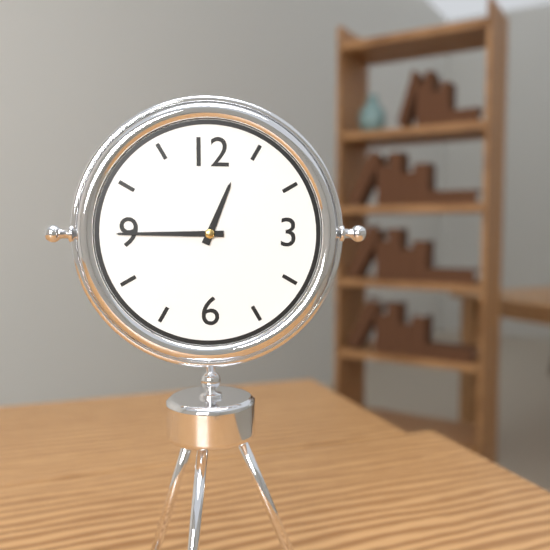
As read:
{"hour": 12, "minute": 45}
